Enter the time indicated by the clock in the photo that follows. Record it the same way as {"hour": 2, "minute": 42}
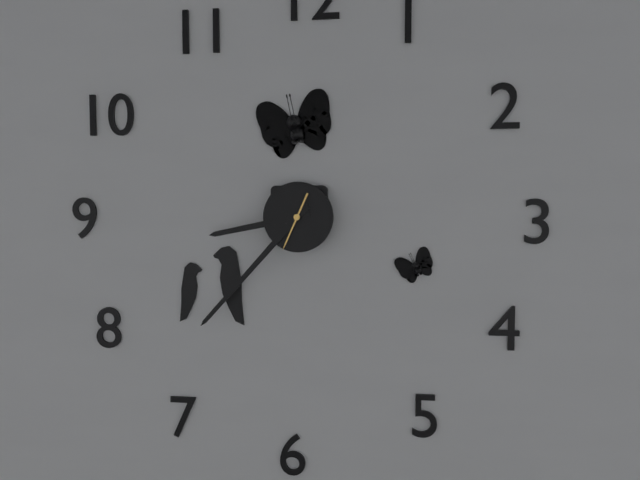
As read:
{"hour": 8, "minute": 37}
